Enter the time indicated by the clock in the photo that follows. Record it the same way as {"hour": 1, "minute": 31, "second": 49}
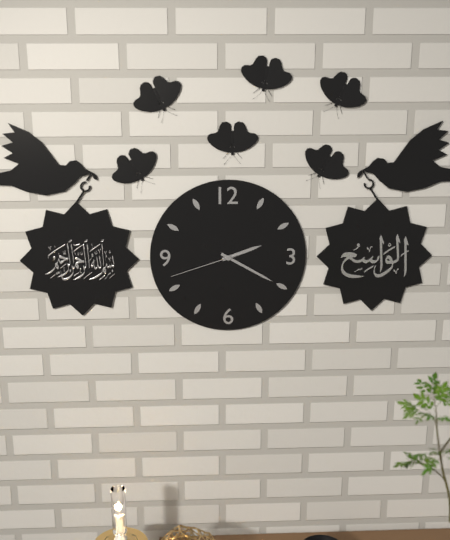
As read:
{"hour": 2, "minute": 20, "second": 42}
